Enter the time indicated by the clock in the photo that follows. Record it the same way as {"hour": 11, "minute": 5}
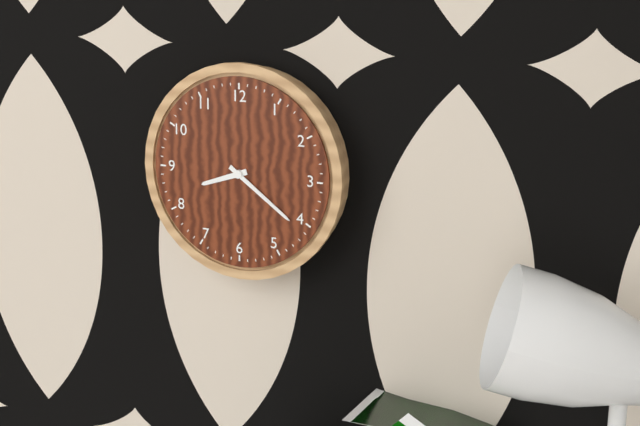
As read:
{"hour": 8, "minute": 21}
